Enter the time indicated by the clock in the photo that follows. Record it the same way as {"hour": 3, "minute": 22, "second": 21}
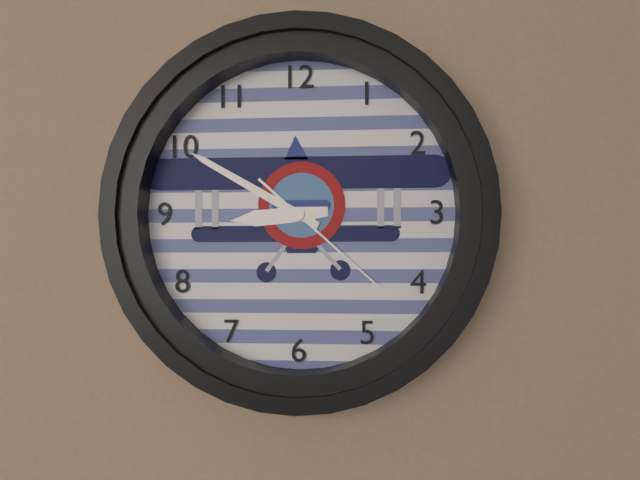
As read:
{"hour": 8, "minute": 50, "second": 22}
